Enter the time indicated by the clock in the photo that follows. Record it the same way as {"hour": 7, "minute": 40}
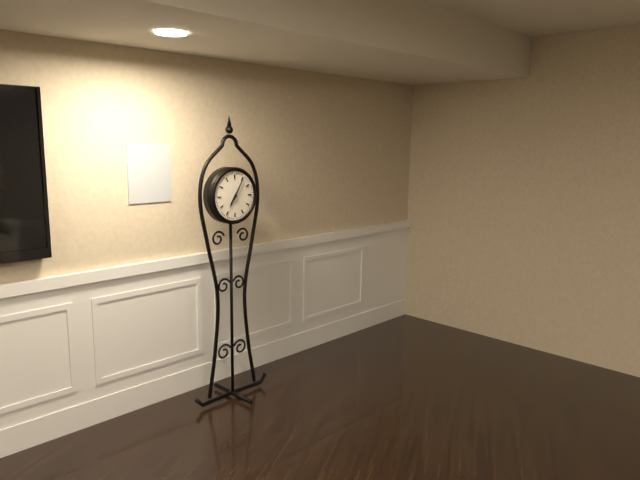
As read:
{"hour": 7, "minute": 5}
